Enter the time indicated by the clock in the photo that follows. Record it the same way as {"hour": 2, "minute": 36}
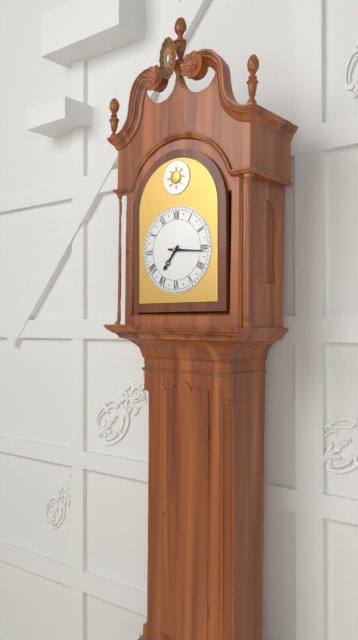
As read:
{"hour": 7, "minute": 16}
